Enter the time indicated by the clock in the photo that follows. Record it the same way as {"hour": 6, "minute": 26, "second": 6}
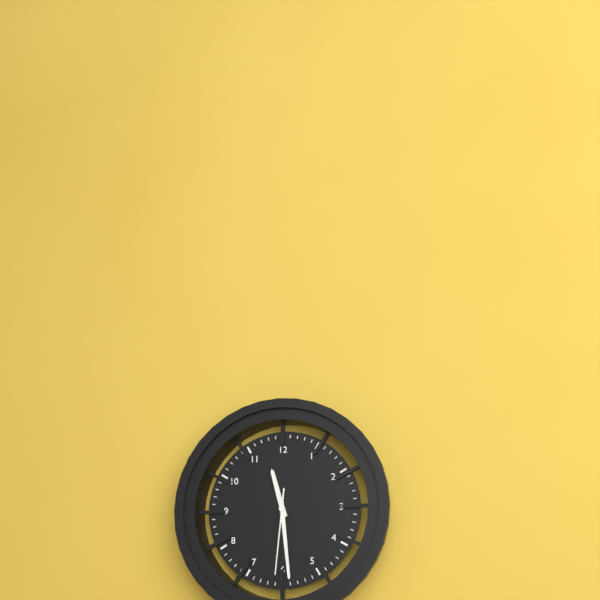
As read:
{"hour": 11, "minute": 29, "second": 31}
